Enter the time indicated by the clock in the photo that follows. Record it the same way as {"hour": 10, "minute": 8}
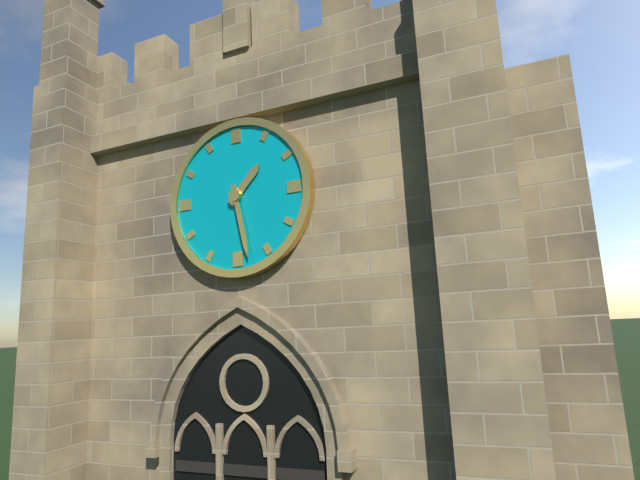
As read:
{"hour": 1, "minute": 28}
